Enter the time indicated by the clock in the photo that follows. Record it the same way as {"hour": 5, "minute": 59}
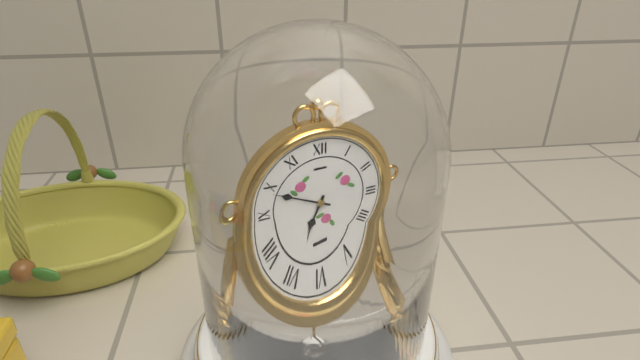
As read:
{"hour": 6, "minute": 49}
